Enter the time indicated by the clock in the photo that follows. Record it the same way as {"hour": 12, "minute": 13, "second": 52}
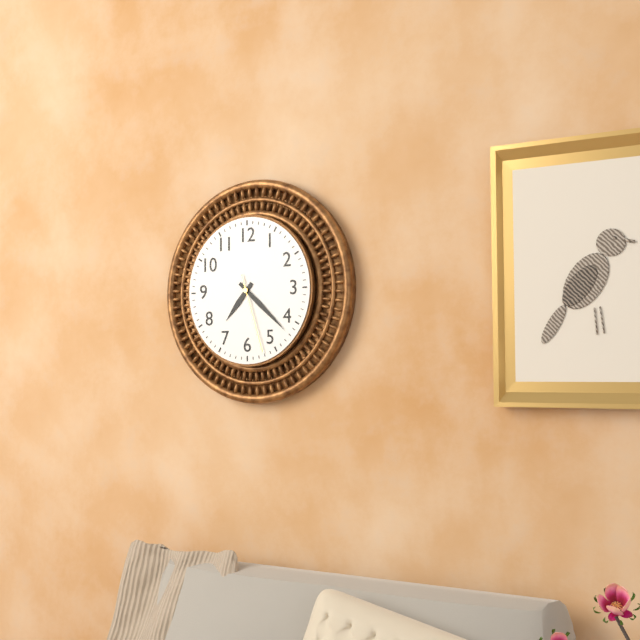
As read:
{"hour": 7, "minute": 22, "second": 27}
